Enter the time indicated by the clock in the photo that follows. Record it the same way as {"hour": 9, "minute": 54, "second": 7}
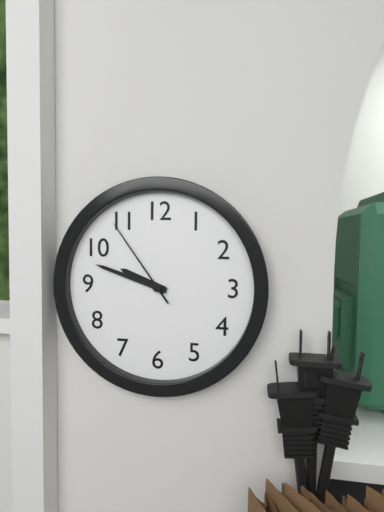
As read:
{"hour": 9, "minute": 48, "second": 54}
